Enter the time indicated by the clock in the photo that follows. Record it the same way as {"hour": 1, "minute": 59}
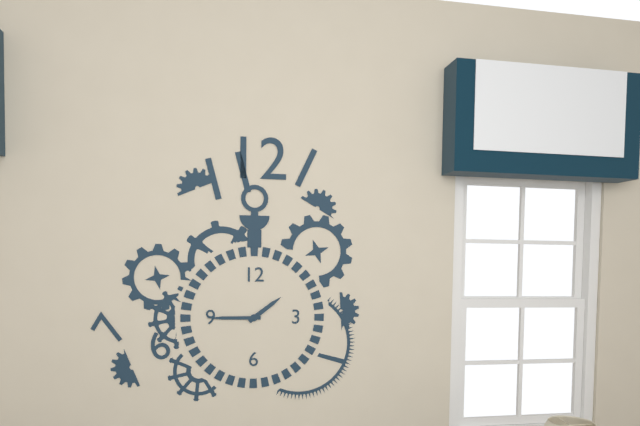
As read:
{"hour": 1, "minute": 45}
